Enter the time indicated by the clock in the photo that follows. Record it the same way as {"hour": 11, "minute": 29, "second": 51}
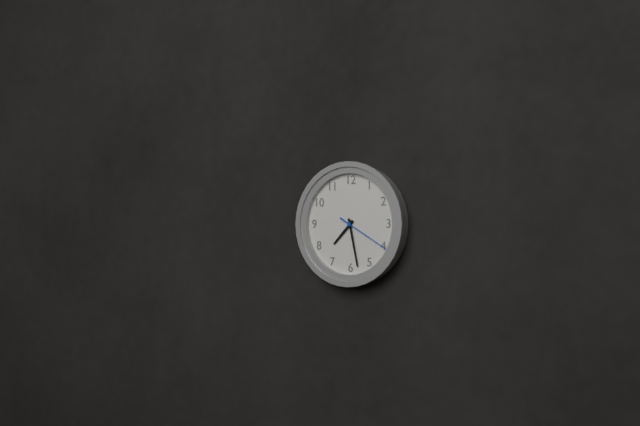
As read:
{"hour": 7, "minute": 28, "second": 20}
